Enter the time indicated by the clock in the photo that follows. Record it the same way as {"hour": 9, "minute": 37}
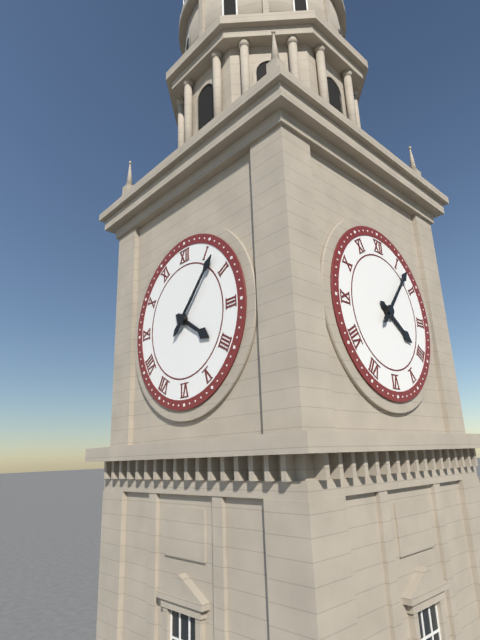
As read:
{"hour": 4, "minute": 7}
